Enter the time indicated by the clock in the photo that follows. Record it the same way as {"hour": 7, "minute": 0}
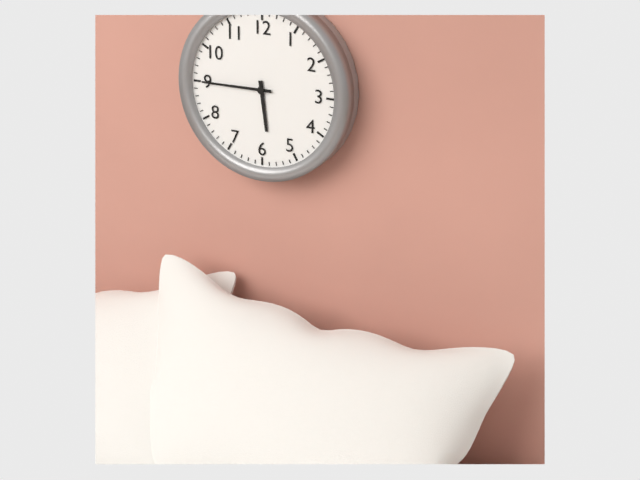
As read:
{"hour": 5, "minute": 45}
